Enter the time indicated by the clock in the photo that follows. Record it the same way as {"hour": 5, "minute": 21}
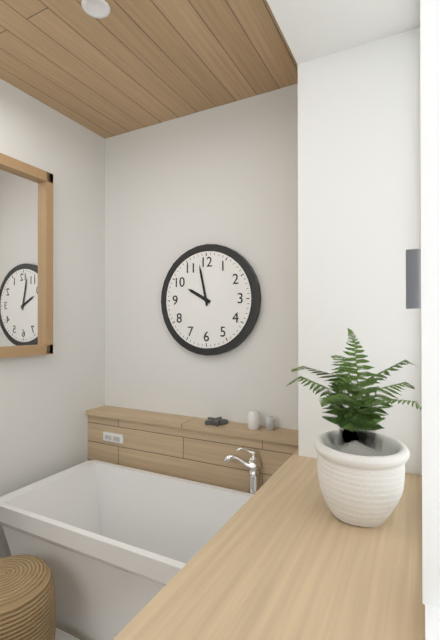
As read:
{"hour": 9, "minute": 58}
